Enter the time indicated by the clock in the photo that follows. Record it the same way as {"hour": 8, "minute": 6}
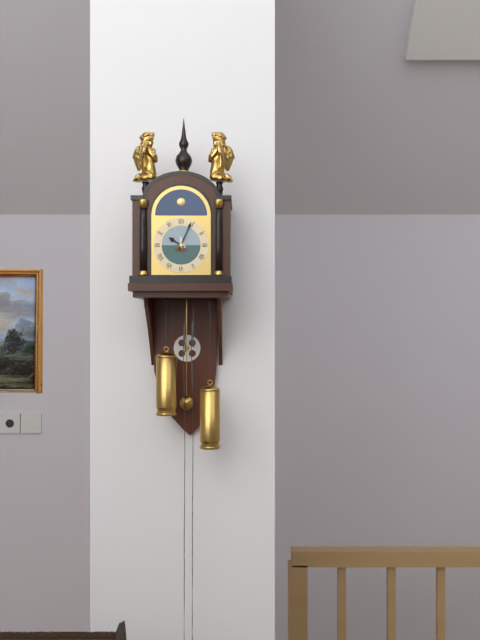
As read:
{"hour": 10, "minute": 4}
